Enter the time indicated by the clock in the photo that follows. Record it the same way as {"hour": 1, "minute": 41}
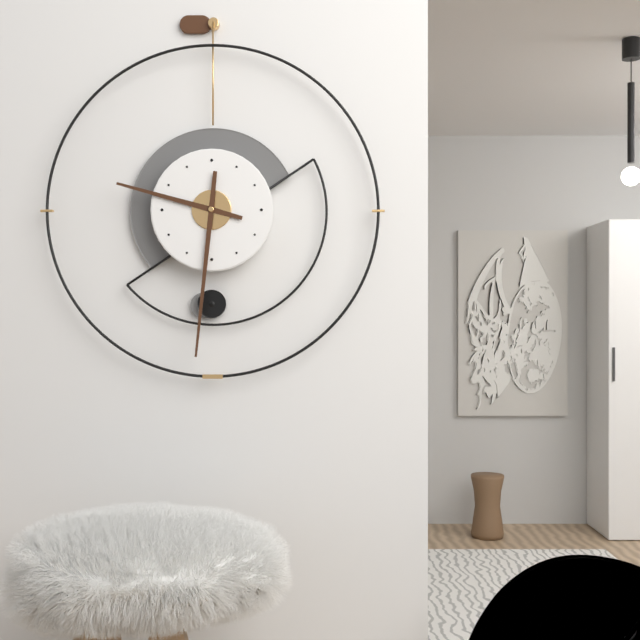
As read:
{"hour": 9, "minute": 31}
